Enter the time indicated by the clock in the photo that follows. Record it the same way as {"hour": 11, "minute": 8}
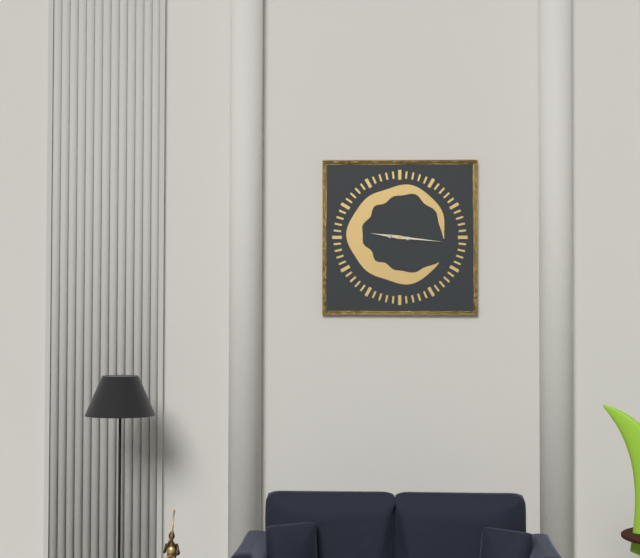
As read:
{"hour": 9, "minute": 16}
